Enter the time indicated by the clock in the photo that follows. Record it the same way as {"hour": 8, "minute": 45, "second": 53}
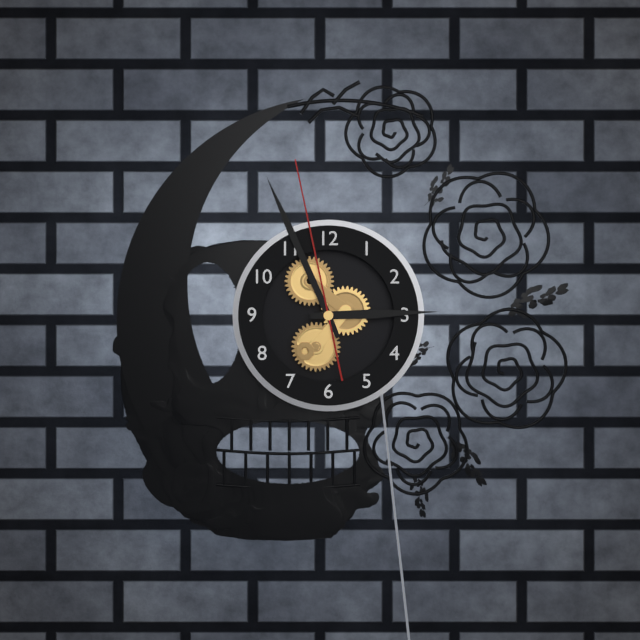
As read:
{"hour": 2, "minute": 56, "second": 58}
